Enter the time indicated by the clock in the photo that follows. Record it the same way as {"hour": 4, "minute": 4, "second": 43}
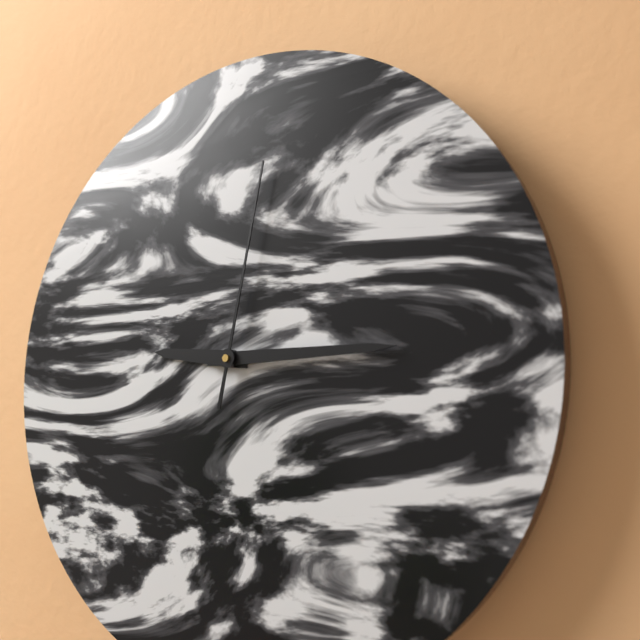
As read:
{"hour": 9, "minute": 15, "second": 2}
